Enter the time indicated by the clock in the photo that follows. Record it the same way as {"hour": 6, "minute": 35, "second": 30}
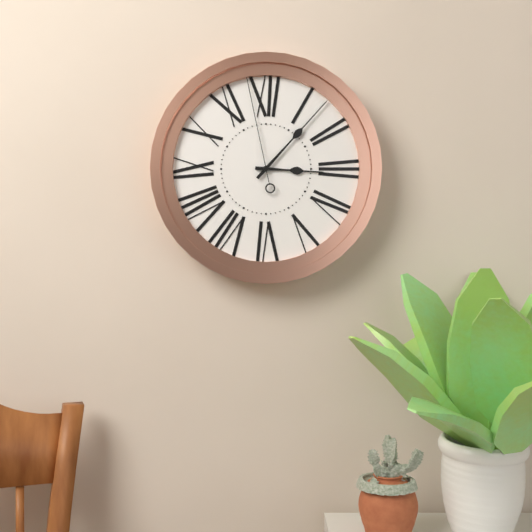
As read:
{"hour": 3, "minute": 7, "second": 58}
